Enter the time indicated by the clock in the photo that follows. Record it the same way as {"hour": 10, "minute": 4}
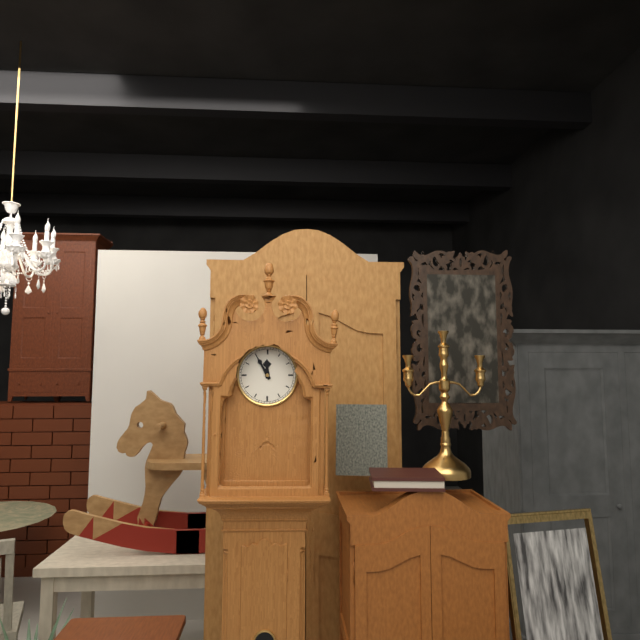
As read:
{"hour": 11, "minute": 55}
